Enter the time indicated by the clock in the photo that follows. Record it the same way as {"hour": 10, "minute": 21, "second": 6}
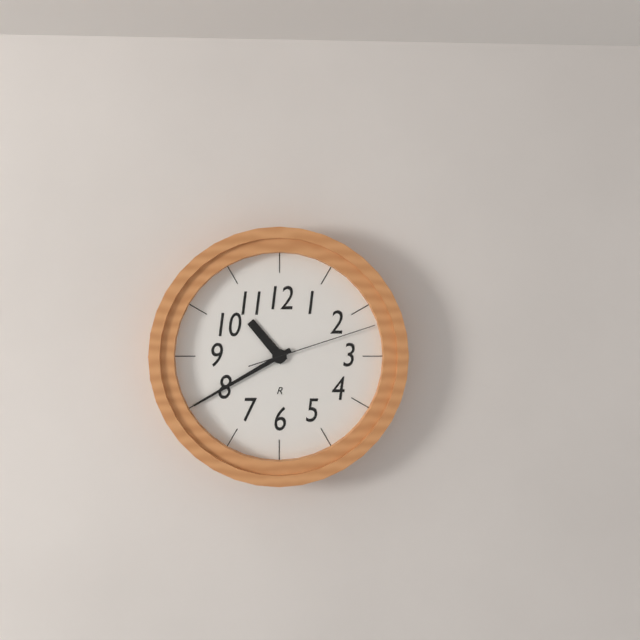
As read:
{"hour": 10, "minute": 40, "second": 12}
